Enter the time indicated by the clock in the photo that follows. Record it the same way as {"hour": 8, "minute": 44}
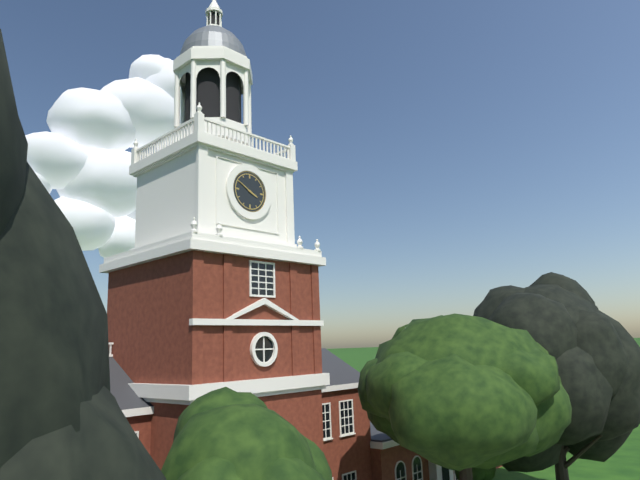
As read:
{"hour": 3, "minute": 50}
